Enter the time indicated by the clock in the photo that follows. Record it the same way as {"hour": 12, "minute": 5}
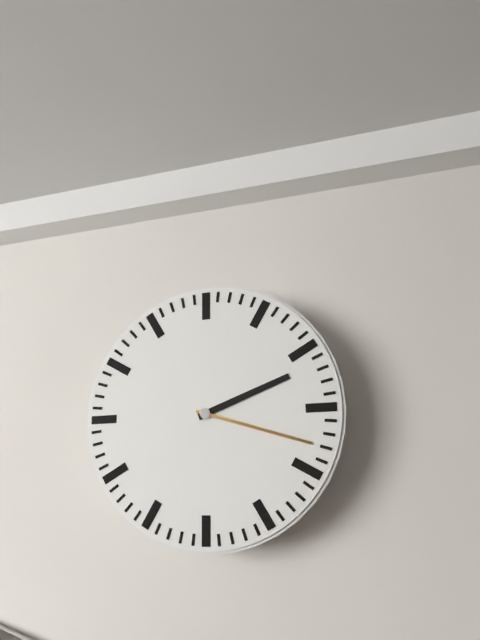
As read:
{"hour": 2, "minute": 18}
